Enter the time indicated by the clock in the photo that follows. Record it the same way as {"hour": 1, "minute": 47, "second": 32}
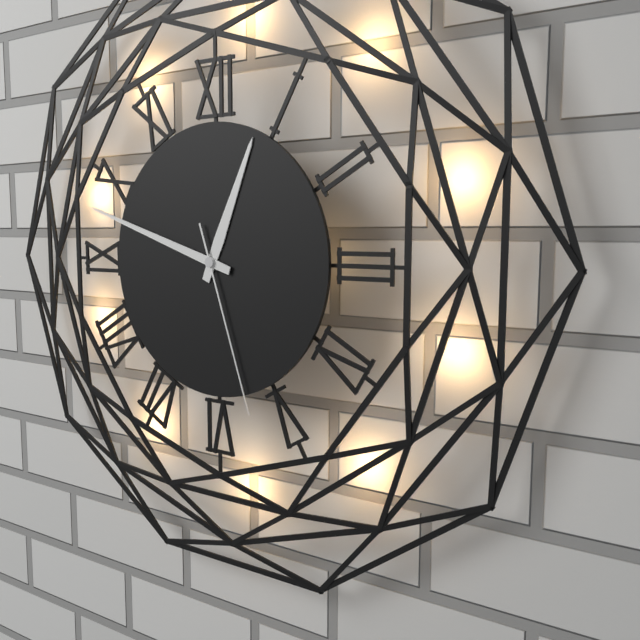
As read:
{"hour": 12, "minute": 48, "second": 27}
